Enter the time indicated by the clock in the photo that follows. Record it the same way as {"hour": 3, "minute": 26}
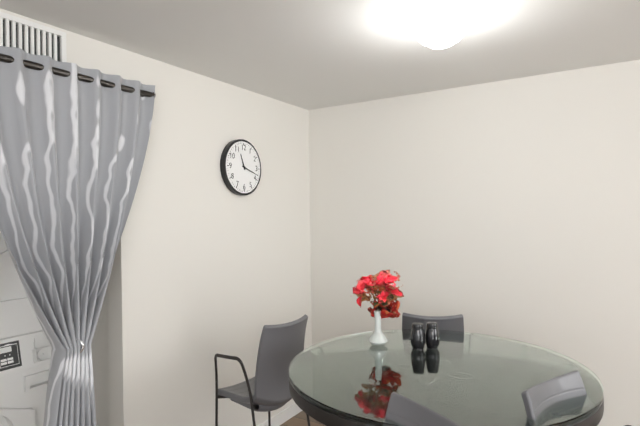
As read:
{"hour": 11, "minute": 18}
